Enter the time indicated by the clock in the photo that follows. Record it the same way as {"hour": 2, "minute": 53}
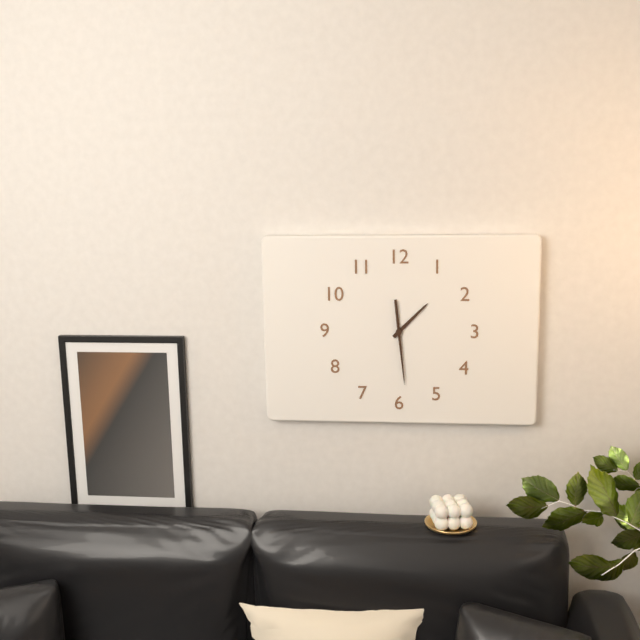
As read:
{"hour": 1, "minute": 29}
